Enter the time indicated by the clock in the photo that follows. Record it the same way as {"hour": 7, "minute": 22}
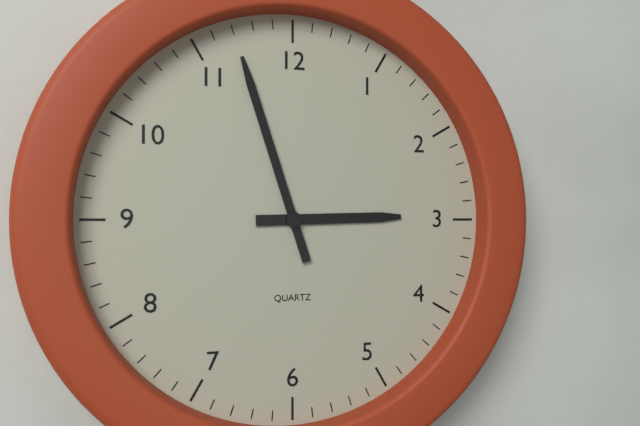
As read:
{"hour": 2, "minute": 57}
